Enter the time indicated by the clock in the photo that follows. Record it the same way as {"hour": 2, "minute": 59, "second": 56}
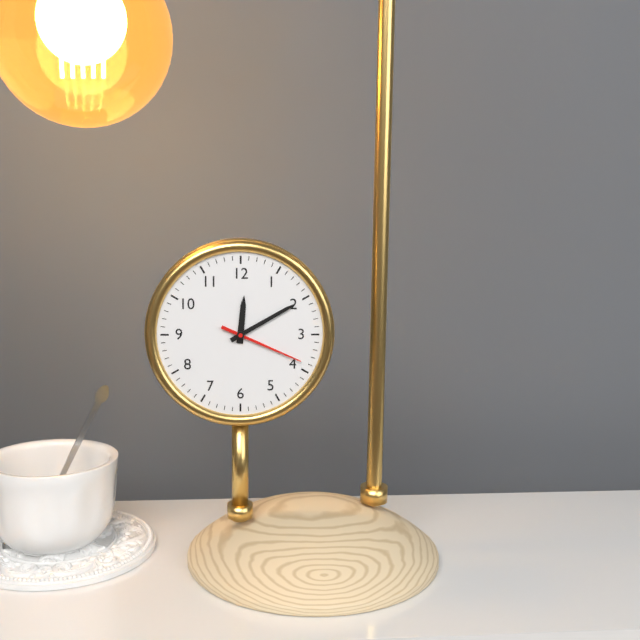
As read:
{"hour": 12, "minute": 10, "second": 19}
